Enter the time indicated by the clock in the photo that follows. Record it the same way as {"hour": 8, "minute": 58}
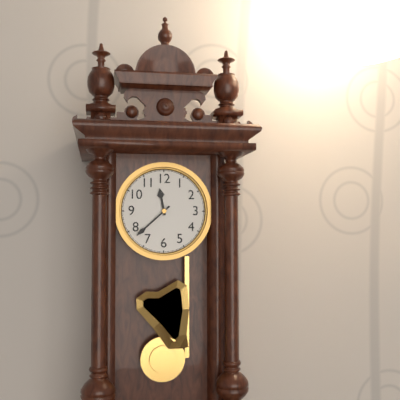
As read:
{"hour": 11, "minute": 38}
